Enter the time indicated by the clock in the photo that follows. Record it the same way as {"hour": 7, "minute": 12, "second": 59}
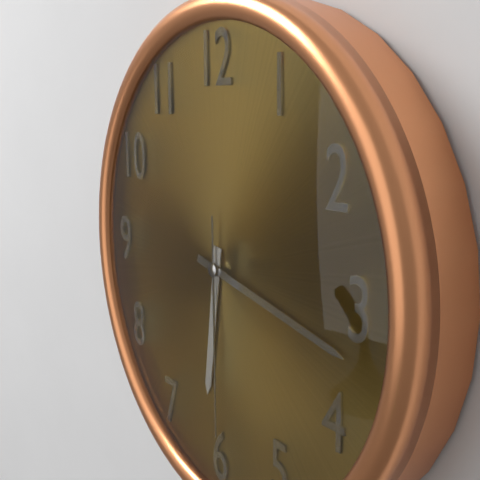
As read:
{"hour": 6, "minute": 17, "second": 30}
